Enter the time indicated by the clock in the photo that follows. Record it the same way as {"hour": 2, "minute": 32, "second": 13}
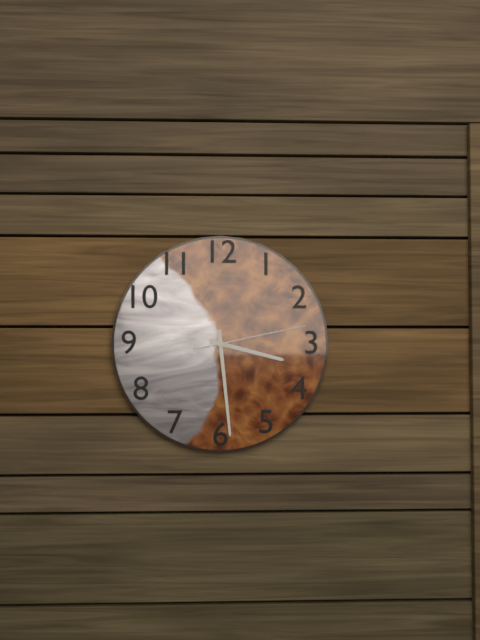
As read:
{"hour": 3, "minute": 29, "second": 13}
